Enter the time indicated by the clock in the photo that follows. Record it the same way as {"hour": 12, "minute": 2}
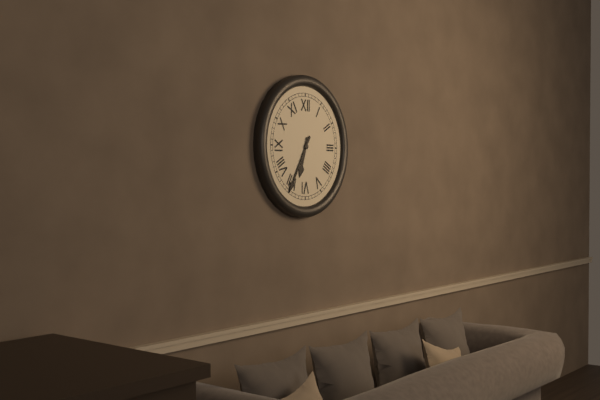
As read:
{"hour": 6, "minute": 35}
